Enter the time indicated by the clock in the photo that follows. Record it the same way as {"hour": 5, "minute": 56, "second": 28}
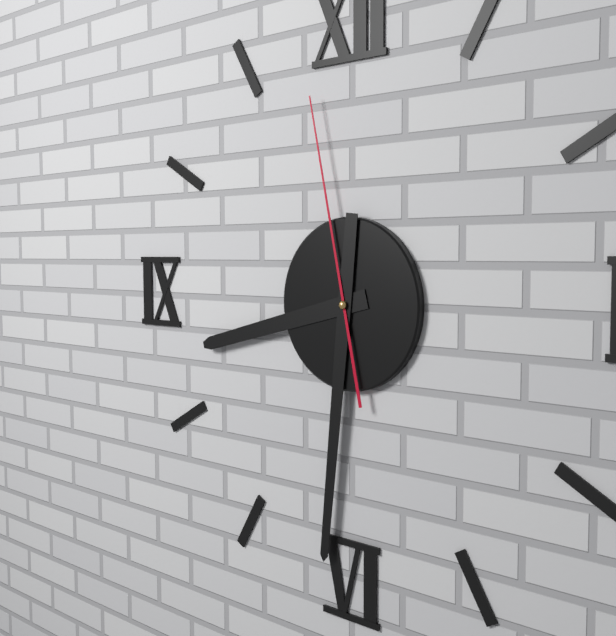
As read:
{"hour": 8, "minute": 31, "second": 58}
